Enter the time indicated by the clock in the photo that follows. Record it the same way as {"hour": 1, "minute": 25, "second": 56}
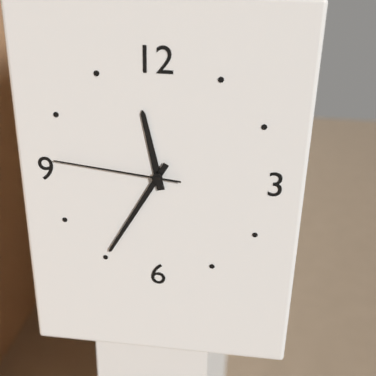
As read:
{"hour": 11, "minute": 35, "second": 46}
